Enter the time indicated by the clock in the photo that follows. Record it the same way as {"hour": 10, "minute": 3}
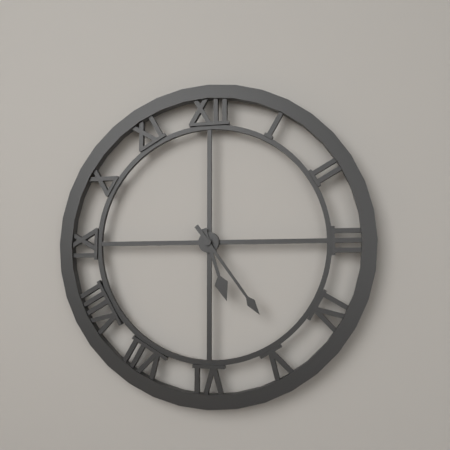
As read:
{"hour": 5, "minute": 24}
